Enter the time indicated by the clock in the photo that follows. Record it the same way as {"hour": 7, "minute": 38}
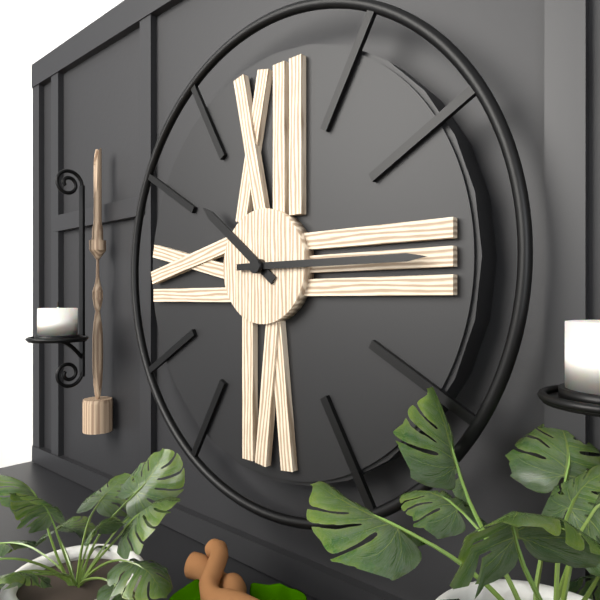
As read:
{"hour": 10, "minute": 15}
